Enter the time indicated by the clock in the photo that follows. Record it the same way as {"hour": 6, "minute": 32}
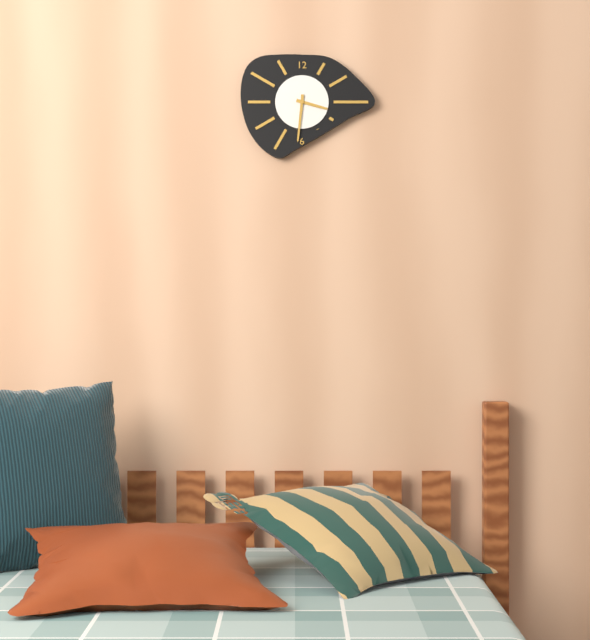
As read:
{"hour": 3, "minute": 31}
